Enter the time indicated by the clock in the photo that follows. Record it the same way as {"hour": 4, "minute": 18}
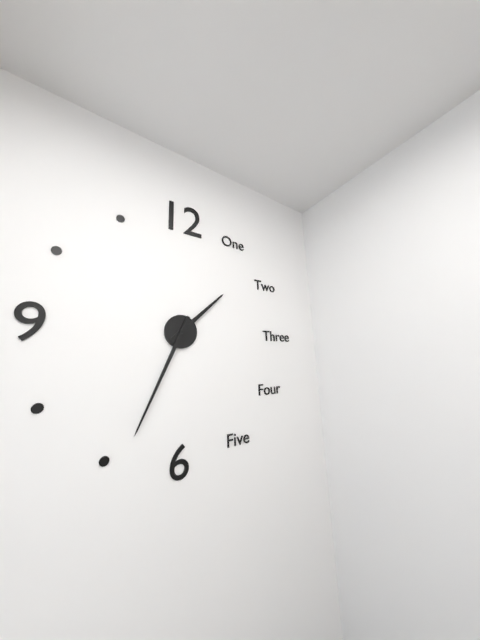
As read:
{"hour": 1, "minute": 34}
